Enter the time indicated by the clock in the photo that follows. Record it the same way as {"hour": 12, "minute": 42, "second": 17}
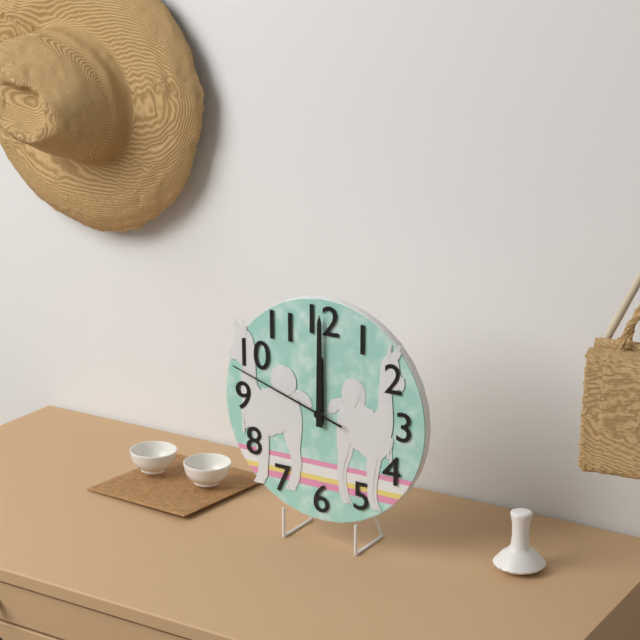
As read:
{"hour": 12, "minute": 0, "second": 48}
